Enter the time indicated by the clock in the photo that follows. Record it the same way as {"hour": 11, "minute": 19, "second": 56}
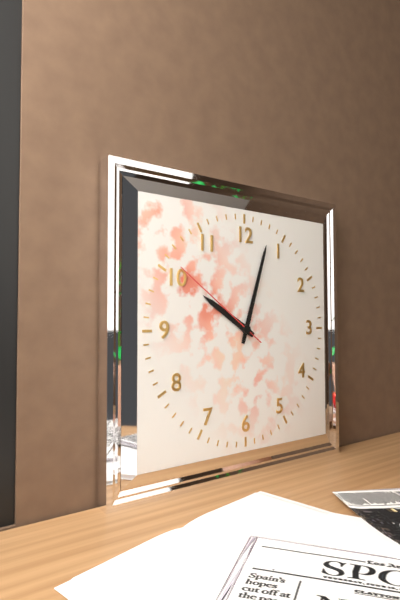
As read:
{"hour": 10, "minute": 3, "second": 51}
